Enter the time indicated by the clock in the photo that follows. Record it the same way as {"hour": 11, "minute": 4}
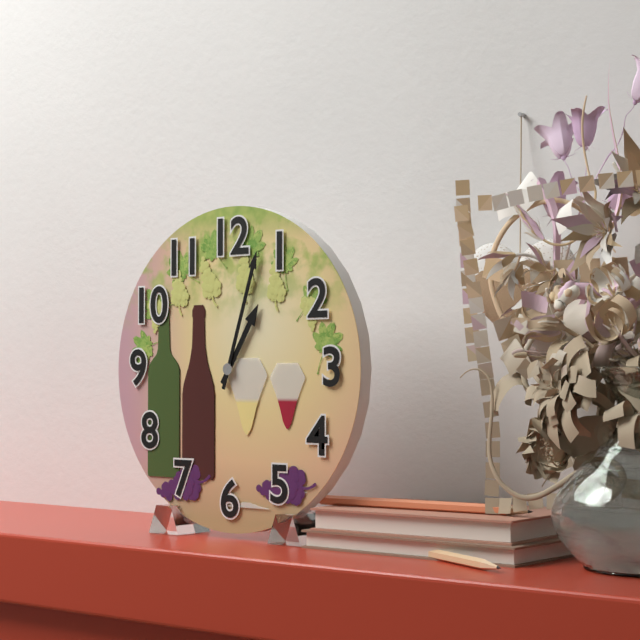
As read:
{"hour": 1, "minute": 3}
